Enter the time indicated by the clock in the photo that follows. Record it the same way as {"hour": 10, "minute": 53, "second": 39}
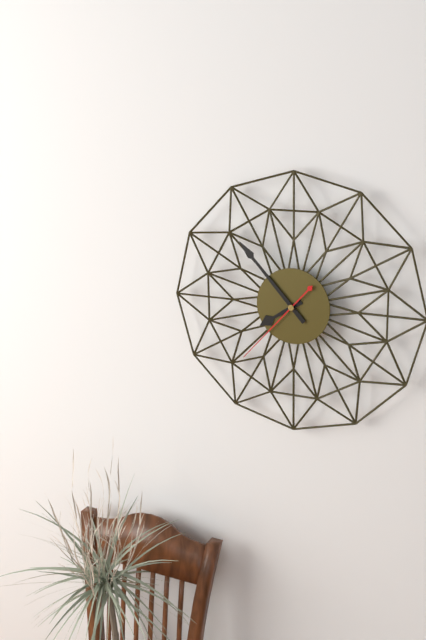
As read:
{"hour": 7, "minute": 53, "second": 37}
